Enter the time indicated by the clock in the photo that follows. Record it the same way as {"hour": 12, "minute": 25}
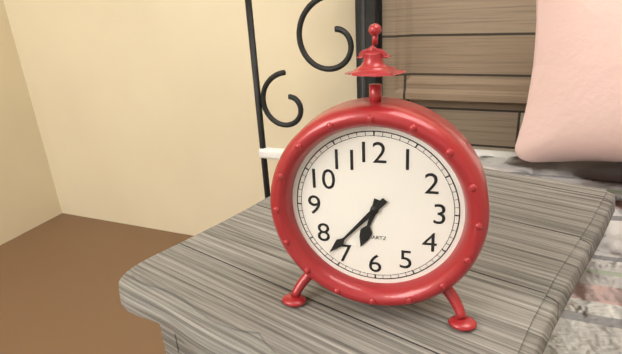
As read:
{"hour": 6, "minute": 37}
